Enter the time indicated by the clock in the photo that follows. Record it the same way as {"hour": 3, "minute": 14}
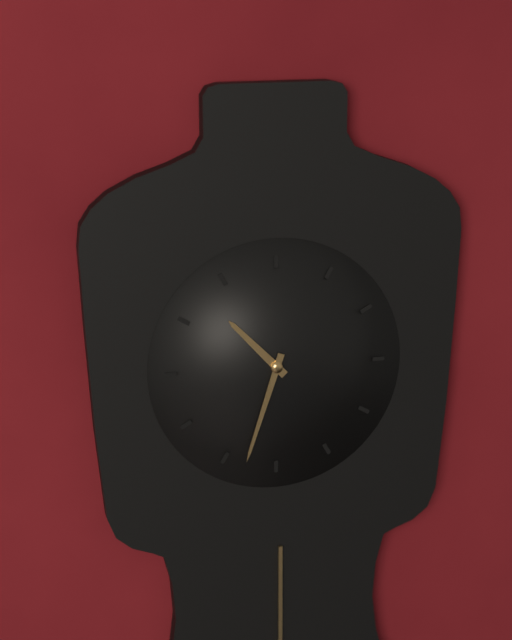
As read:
{"hour": 10, "minute": 33}
